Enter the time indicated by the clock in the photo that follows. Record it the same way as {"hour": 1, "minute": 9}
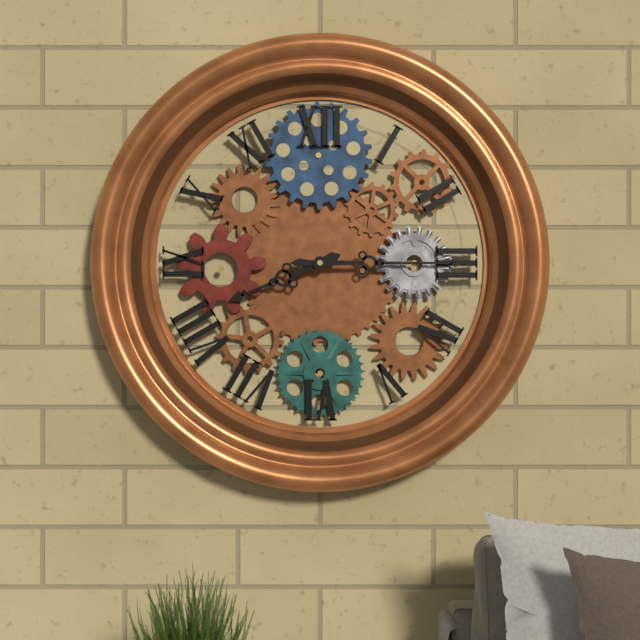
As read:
{"hour": 8, "minute": 15}
